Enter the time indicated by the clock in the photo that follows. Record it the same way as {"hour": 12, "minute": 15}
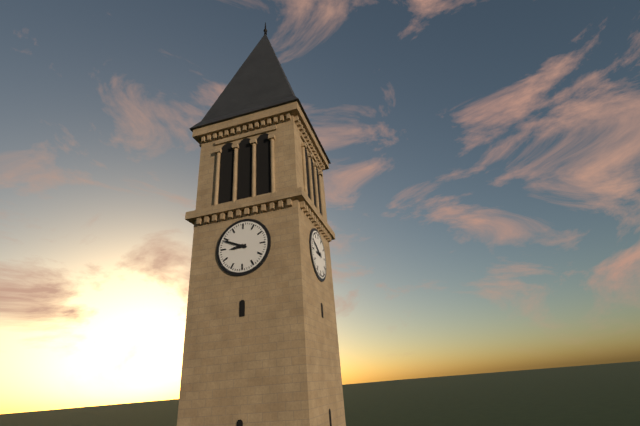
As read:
{"hour": 8, "minute": 49}
